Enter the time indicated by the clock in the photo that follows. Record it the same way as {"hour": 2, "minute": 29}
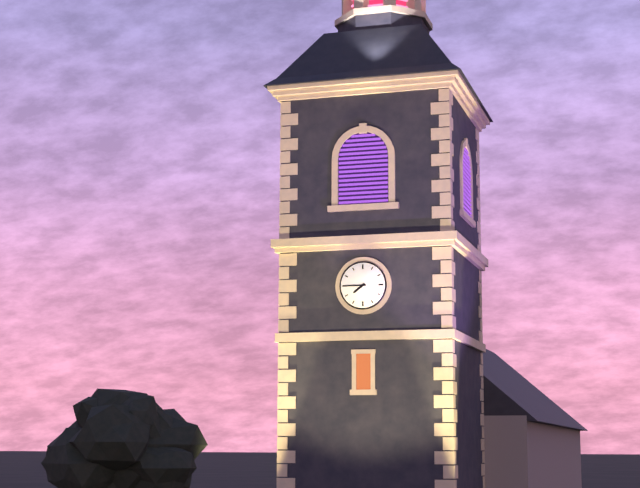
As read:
{"hour": 7, "minute": 45}
